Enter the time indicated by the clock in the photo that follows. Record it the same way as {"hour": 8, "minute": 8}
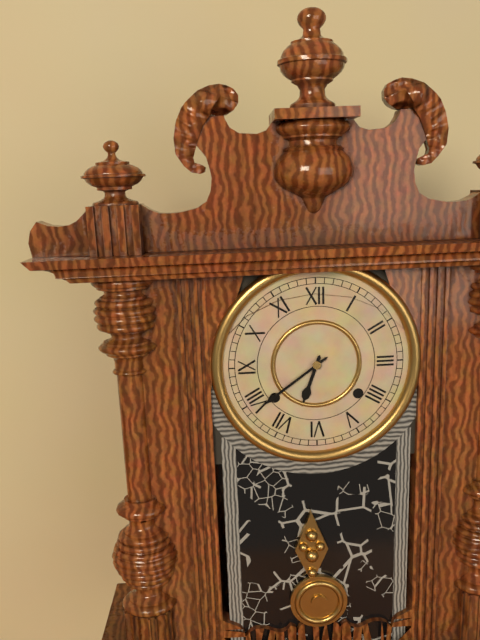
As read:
{"hour": 6, "minute": 39}
